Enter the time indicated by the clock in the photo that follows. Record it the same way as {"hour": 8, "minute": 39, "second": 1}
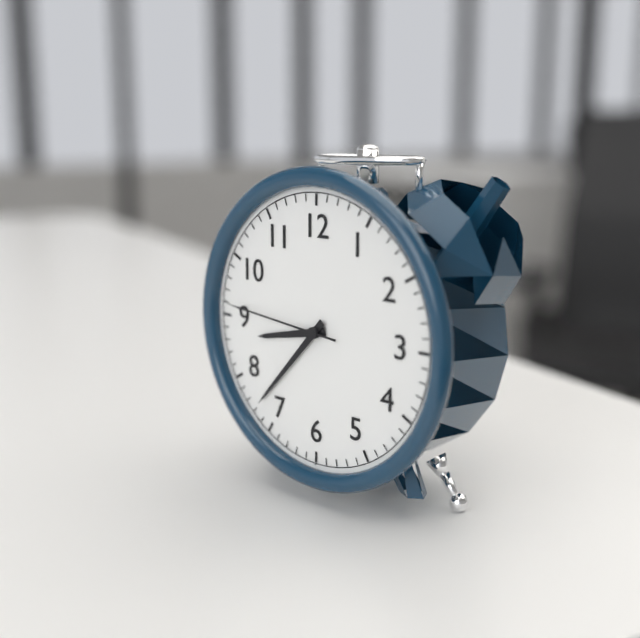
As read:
{"hour": 8, "minute": 37, "second": 46}
